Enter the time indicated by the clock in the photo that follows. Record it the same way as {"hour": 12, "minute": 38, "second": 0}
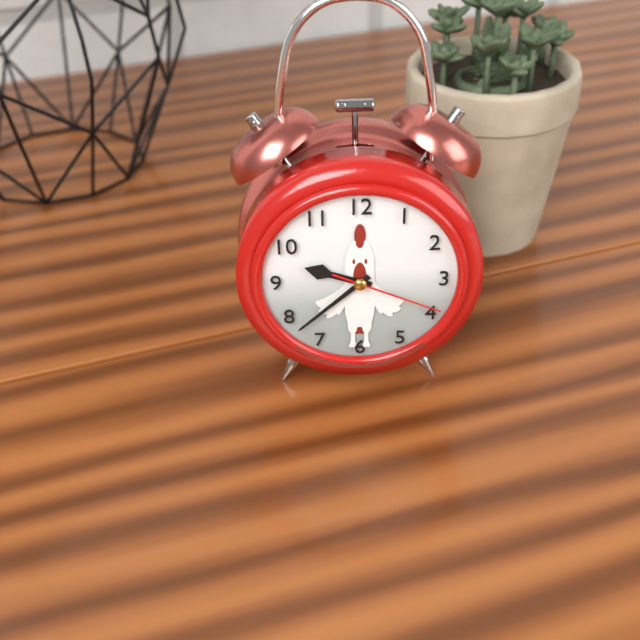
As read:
{"hour": 9, "minute": 38, "second": 19}
